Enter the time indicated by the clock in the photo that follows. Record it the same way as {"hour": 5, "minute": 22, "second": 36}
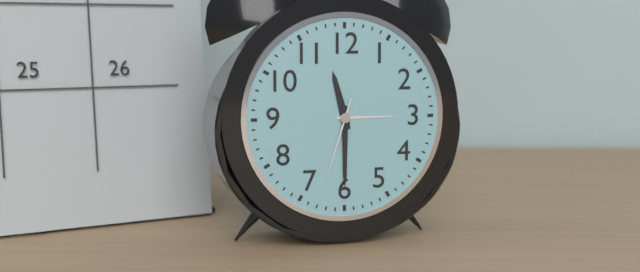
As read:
{"hour": 11, "minute": 30, "second": 33}
